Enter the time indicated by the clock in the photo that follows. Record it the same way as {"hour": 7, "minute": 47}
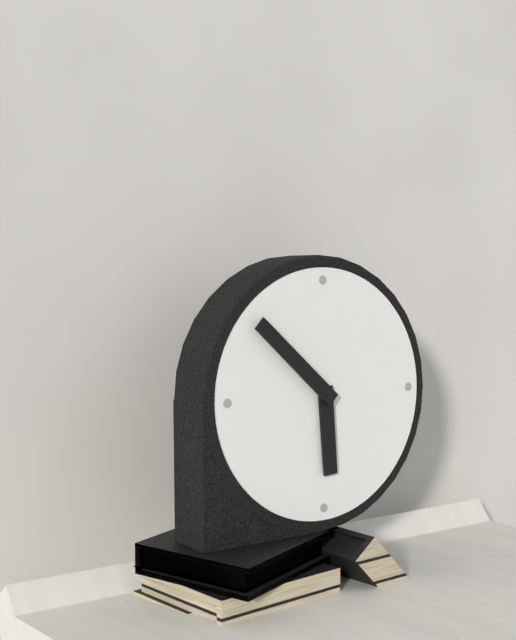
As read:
{"hour": 5, "minute": 52}
